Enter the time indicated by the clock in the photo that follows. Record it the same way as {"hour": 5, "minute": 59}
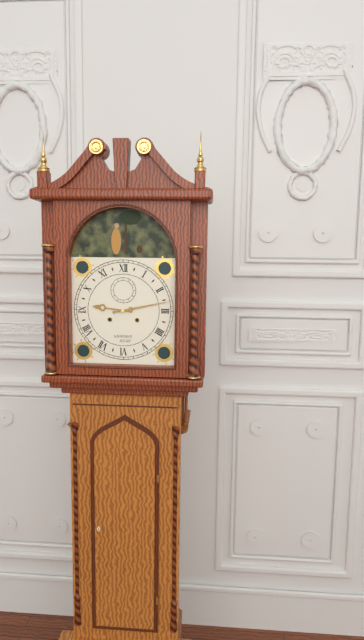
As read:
{"hour": 9, "minute": 13}
